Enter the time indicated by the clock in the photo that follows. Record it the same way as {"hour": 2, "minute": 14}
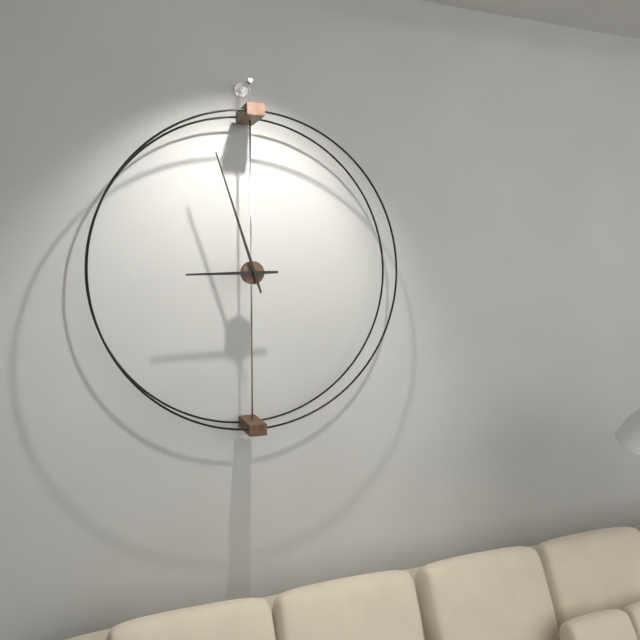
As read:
{"hour": 8, "minute": 57}
